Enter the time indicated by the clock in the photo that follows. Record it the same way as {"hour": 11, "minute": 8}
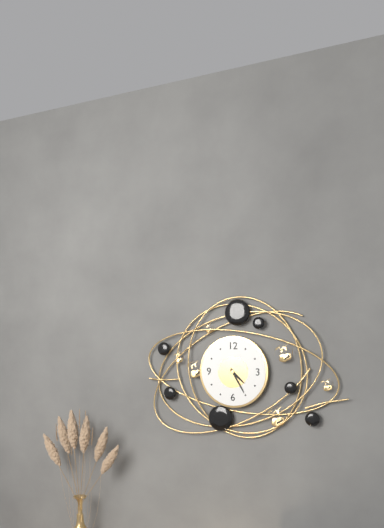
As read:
{"hour": 4, "minute": 25}
